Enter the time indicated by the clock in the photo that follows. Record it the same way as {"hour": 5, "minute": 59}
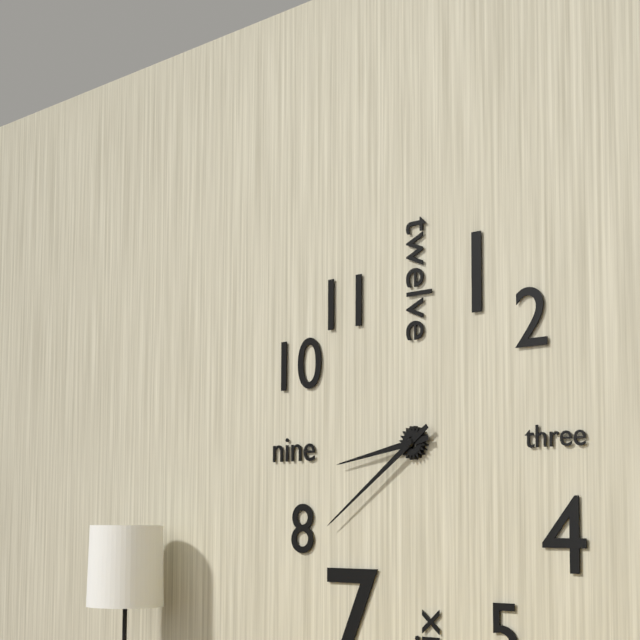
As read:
{"hour": 8, "minute": 39}
